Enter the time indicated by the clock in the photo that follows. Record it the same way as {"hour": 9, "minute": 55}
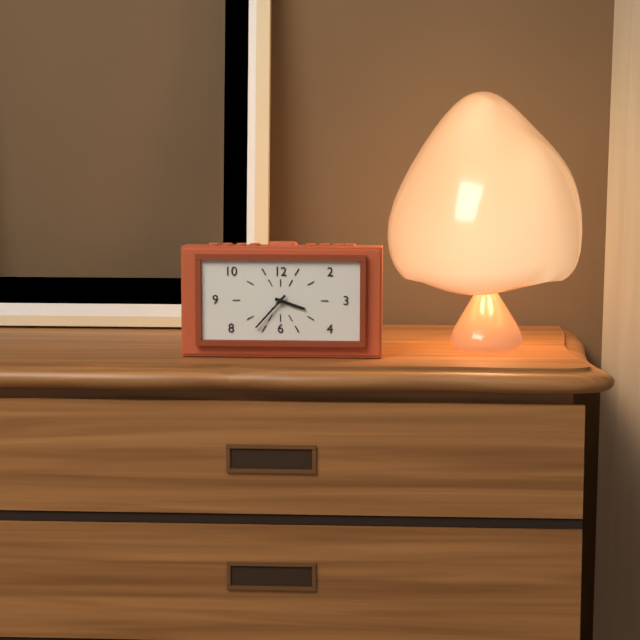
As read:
{"hour": 3, "minute": 37}
